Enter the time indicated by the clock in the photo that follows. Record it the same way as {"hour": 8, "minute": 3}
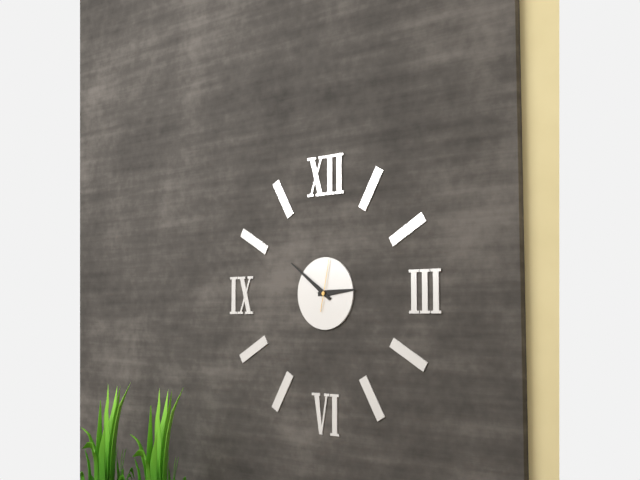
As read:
{"hour": 2, "minute": 51}
